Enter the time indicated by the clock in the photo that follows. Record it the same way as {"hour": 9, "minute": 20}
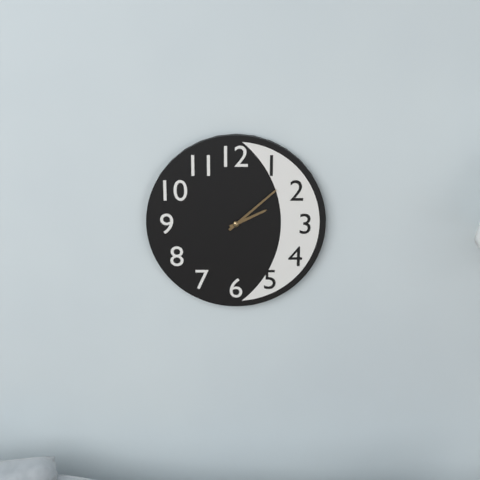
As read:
{"hour": 2, "minute": 8}
